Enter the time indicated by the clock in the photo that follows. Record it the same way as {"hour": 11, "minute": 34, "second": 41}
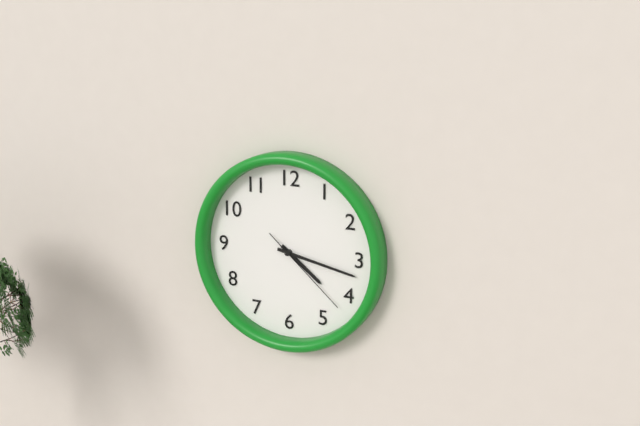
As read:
{"hour": 4, "minute": 17, "second": 22}
